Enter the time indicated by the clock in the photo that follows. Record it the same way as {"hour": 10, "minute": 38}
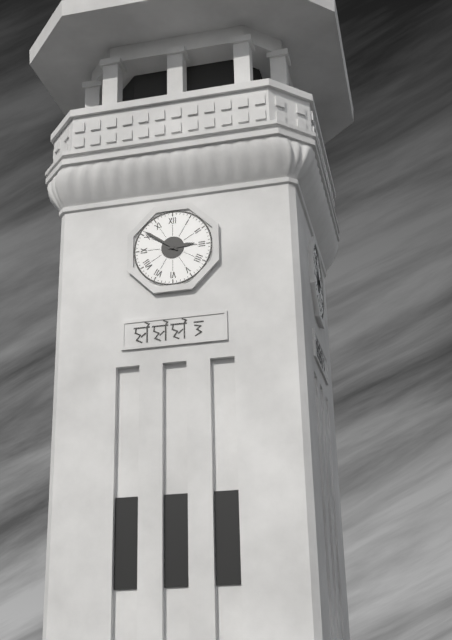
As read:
{"hour": 2, "minute": 51}
